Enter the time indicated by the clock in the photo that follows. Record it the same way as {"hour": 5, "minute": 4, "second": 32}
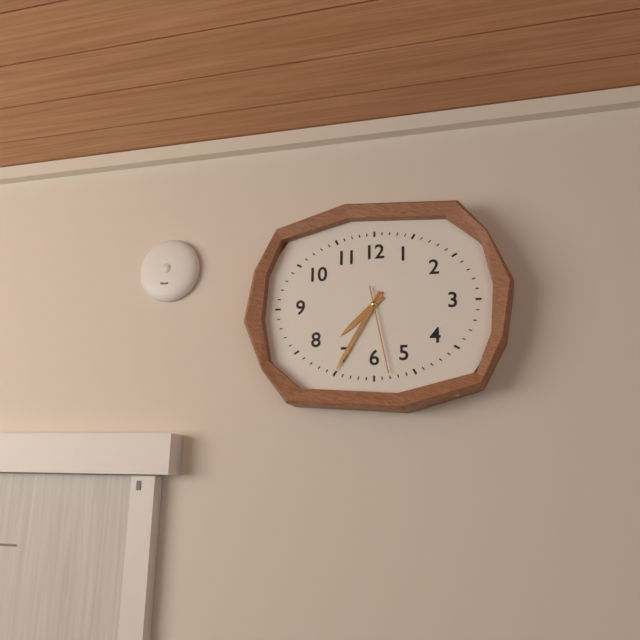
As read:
{"hour": 7, "minute": 35, "second": 28}
